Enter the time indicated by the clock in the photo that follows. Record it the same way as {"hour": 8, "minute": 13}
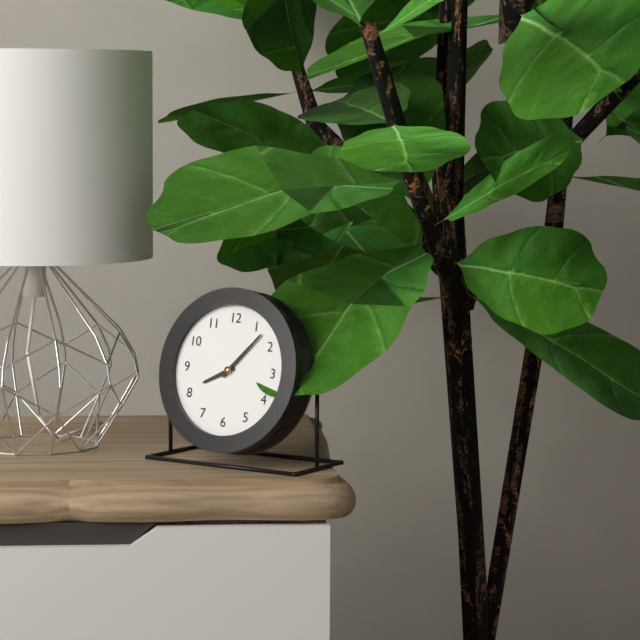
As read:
{"hour": 8, "minute": 7}
